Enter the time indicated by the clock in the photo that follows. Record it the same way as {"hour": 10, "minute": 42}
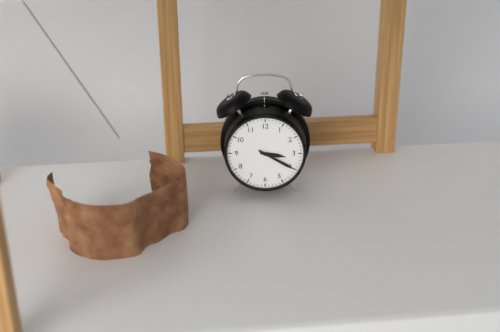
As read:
{"hour": 3, "minute": 20}
